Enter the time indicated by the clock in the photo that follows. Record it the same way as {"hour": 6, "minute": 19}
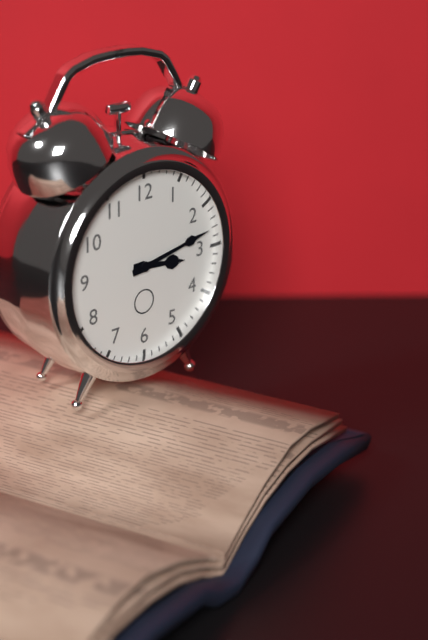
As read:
{"hour": 3, "minute": 13}
